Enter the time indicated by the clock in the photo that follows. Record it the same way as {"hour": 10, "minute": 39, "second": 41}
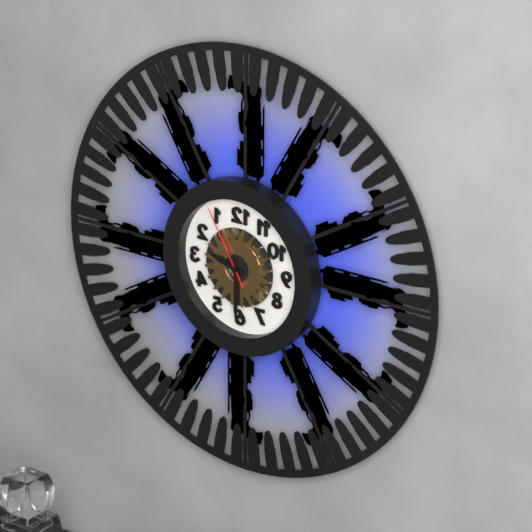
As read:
{"hour": 9, "minute": 30, "second": 55}
